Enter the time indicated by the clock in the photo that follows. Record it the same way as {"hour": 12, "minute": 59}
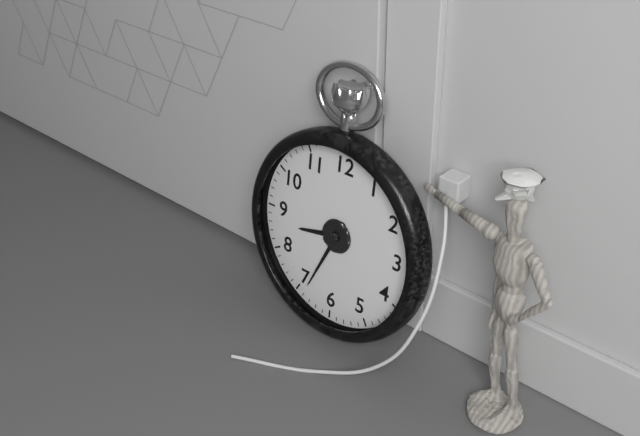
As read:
{"hour": 8, "minute": 34}
